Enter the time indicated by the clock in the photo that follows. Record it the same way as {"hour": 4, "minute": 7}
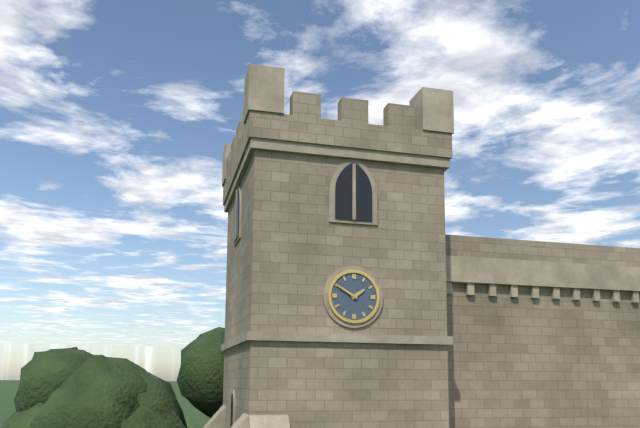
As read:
{"hour": 1, "minute": 50}
